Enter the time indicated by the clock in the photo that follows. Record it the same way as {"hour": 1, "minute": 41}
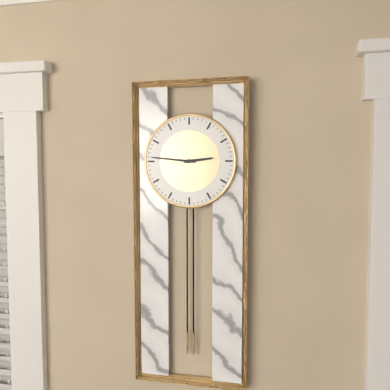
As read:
{"hour": 2, "minute": 46}
